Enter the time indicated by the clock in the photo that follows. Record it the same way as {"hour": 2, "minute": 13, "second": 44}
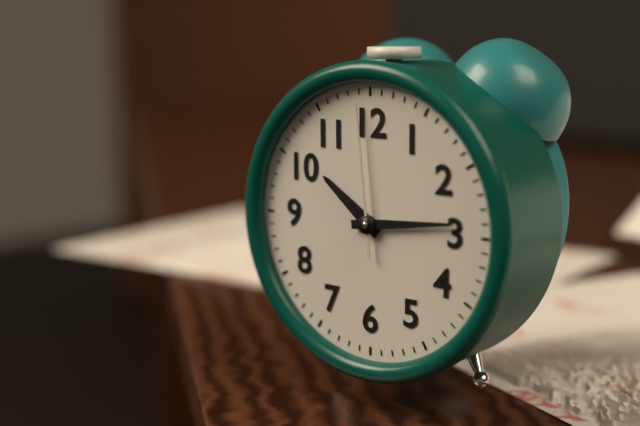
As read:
{"hour": 10, "minute": 14, "second": 59}
